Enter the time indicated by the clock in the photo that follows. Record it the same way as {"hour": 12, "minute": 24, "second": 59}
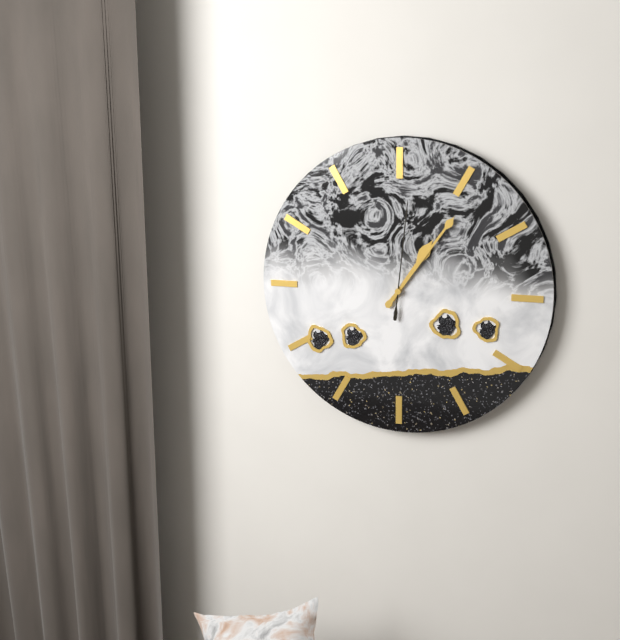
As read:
{"hour": 1, "minute": 6, "second": 1}
